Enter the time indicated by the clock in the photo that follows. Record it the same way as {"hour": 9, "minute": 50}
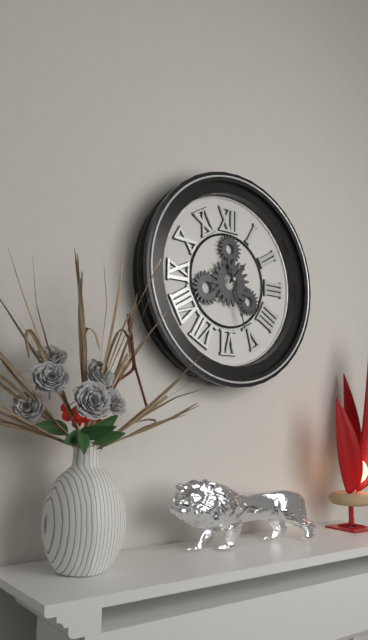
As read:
{"hour": 1, "minute": 27}
